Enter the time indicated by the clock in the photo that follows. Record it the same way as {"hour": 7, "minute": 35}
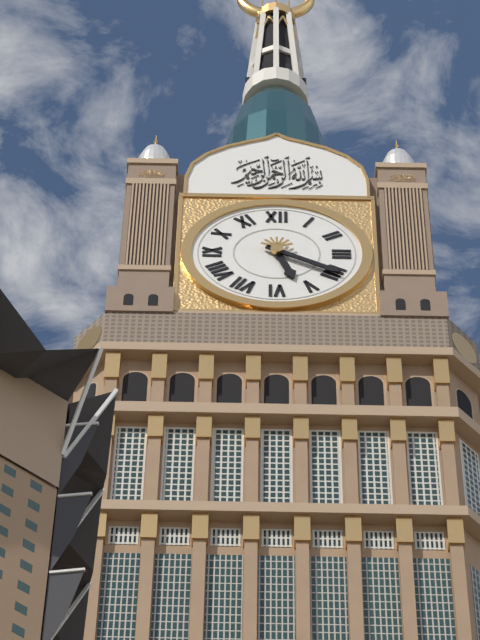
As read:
{"hour": 5, "minute": 20}
